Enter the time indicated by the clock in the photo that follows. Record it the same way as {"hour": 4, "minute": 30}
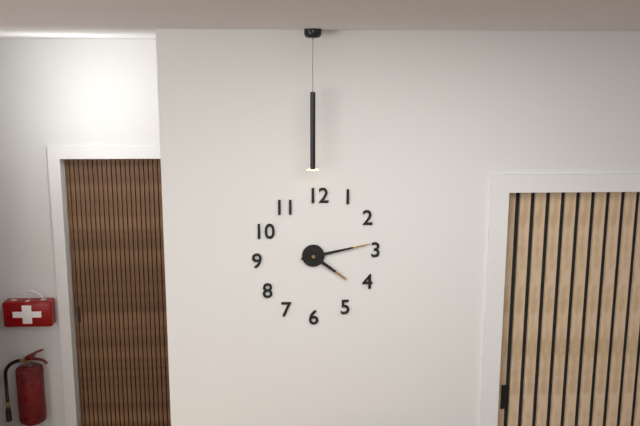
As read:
{"hour": 4, "minute": 13}
